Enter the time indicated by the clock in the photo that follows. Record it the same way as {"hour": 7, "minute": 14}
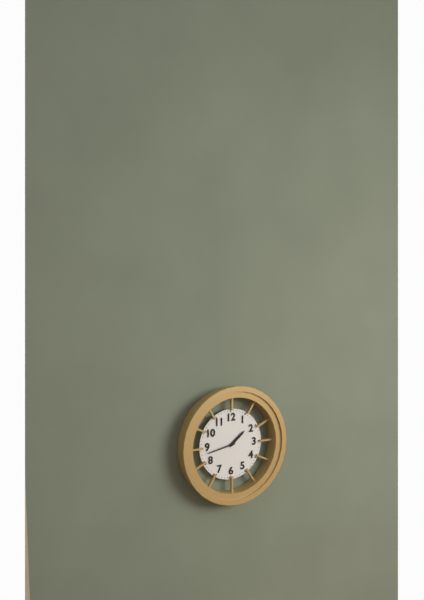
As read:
{"hour": 1, "minute": 43}
